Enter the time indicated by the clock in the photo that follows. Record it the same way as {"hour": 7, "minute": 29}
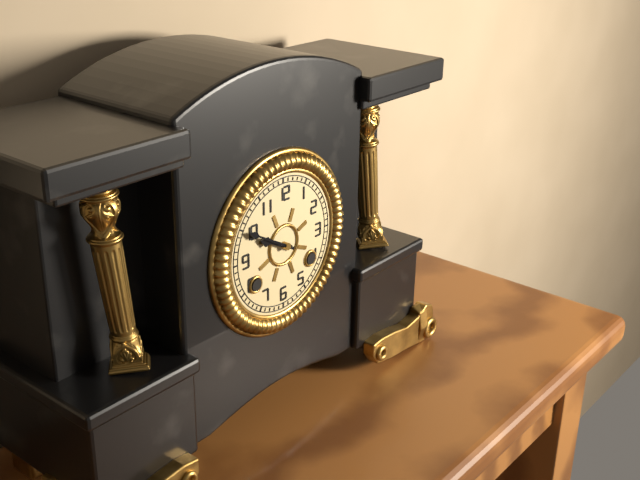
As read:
{"hour": 9, "minute": 50}
